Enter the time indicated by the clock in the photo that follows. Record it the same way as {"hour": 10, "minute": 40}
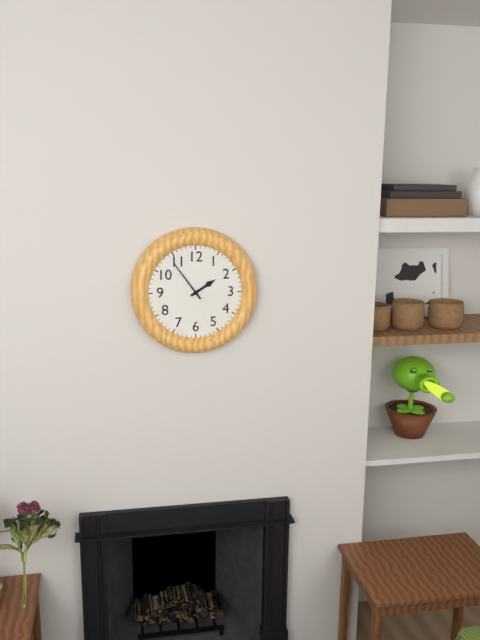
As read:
{"hour": 1, "minute": 54}
